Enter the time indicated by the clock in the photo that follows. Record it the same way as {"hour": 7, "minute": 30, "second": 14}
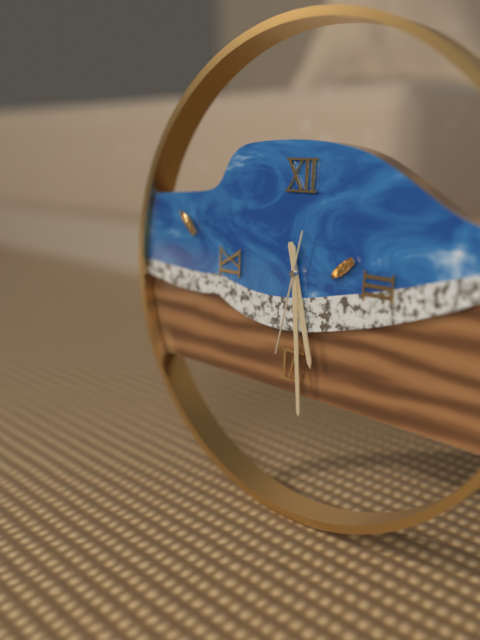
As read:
{"hour": 5, "minute": 29, "second": 32}
